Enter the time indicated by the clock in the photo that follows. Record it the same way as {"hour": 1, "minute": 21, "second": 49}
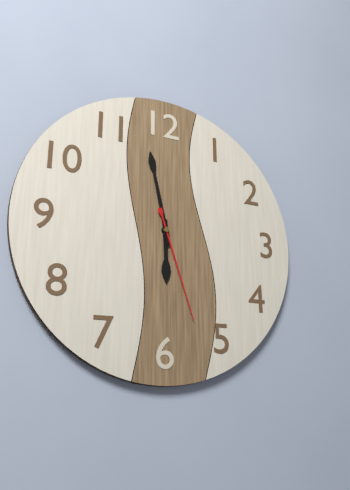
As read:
{"hour": 5, "minute": 58, "second": 27}
